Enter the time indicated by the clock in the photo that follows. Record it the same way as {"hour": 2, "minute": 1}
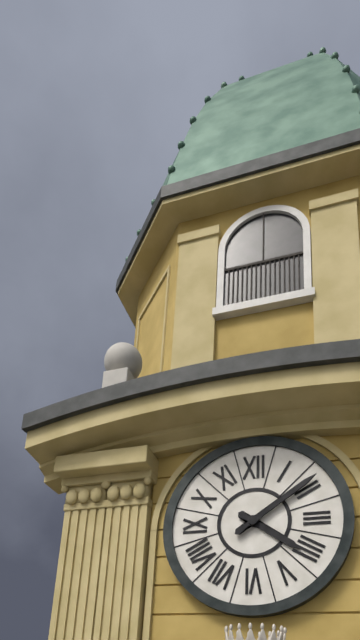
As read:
{"hour": 4, "minute": 9}
